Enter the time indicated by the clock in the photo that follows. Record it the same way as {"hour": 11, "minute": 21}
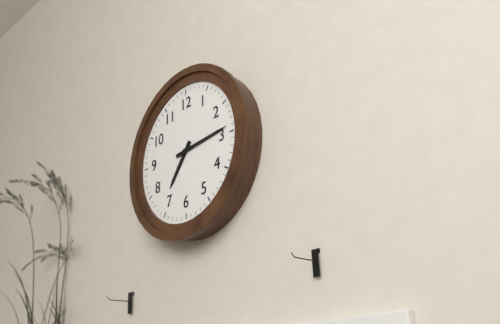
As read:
{"hour": 7, "minute": 14}
